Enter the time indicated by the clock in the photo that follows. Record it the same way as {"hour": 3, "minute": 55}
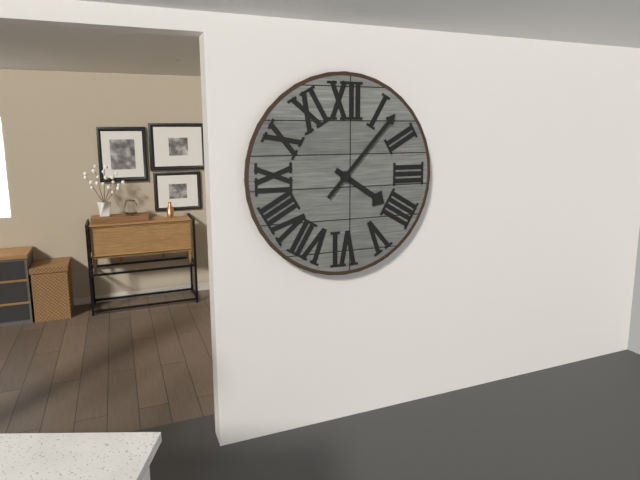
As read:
{"hour": 4, "minute": 7}
